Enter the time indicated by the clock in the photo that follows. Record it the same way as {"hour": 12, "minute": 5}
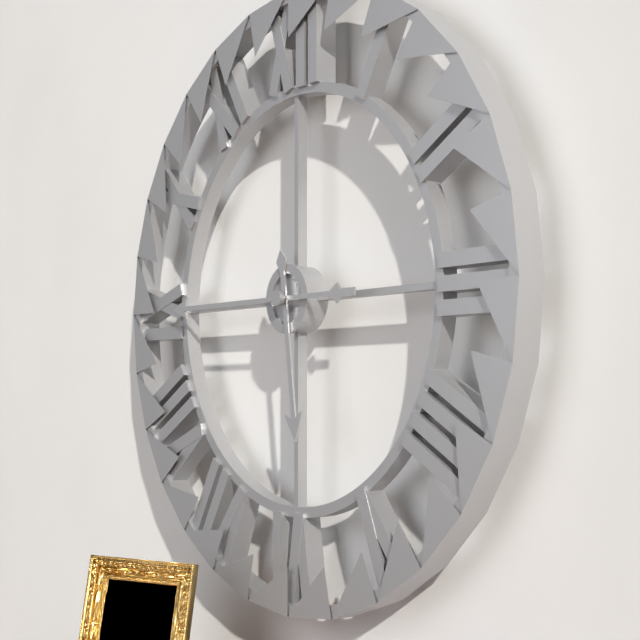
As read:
{"hour": 5, "minute": 45}
